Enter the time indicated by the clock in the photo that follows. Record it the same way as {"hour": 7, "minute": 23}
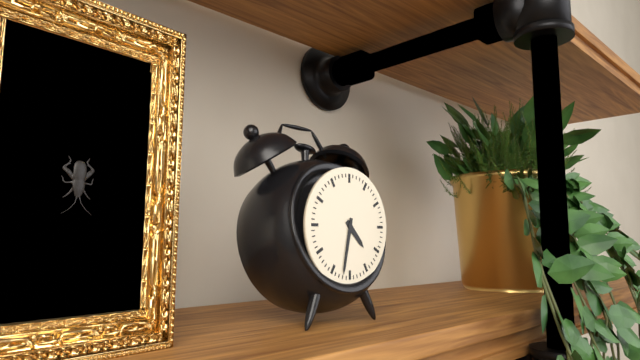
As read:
{"hour": 4, "minute": 32}
